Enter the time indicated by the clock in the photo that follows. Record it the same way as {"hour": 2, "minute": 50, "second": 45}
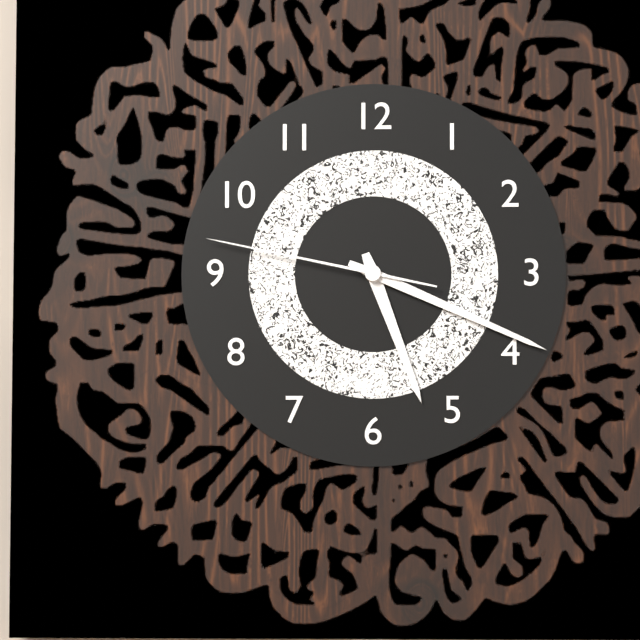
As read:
{"hour": 5, "minute": 19, "second": 47}
